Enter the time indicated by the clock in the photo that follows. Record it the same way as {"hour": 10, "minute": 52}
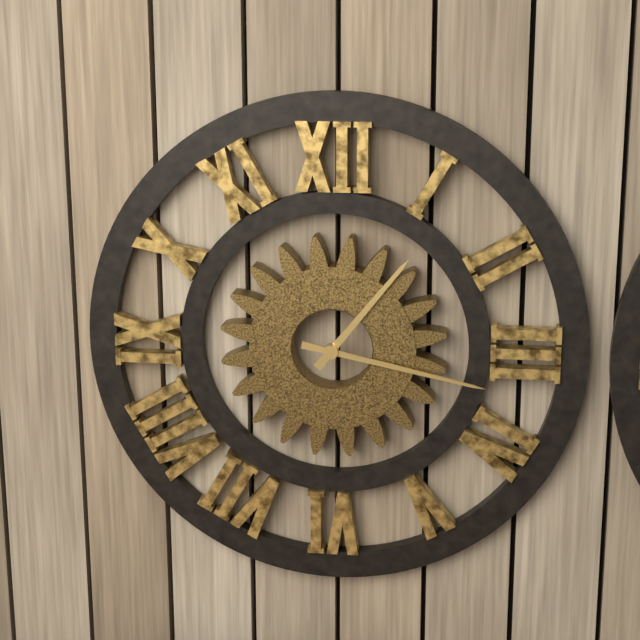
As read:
{"hour": 1, "minute": 17}
